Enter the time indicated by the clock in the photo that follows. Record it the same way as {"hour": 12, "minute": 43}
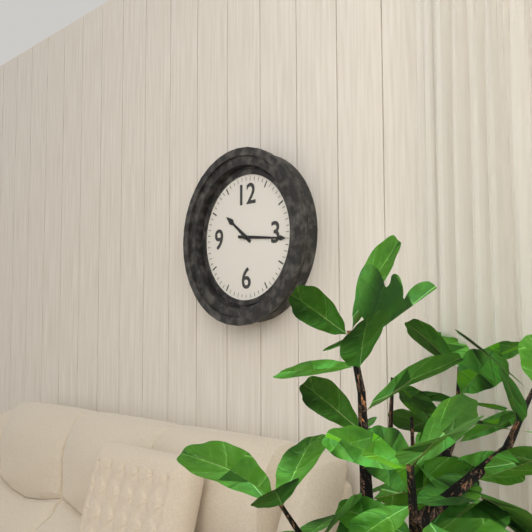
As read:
{"hour": 10, "minute": 16}
